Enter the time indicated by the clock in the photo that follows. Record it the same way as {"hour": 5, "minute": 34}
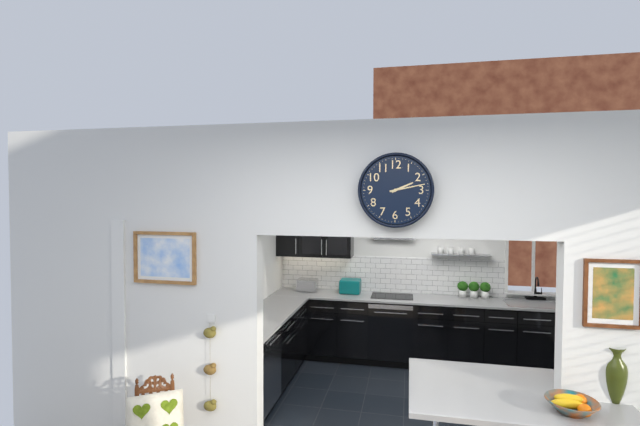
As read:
{"hour": 2, "minute": 13}
